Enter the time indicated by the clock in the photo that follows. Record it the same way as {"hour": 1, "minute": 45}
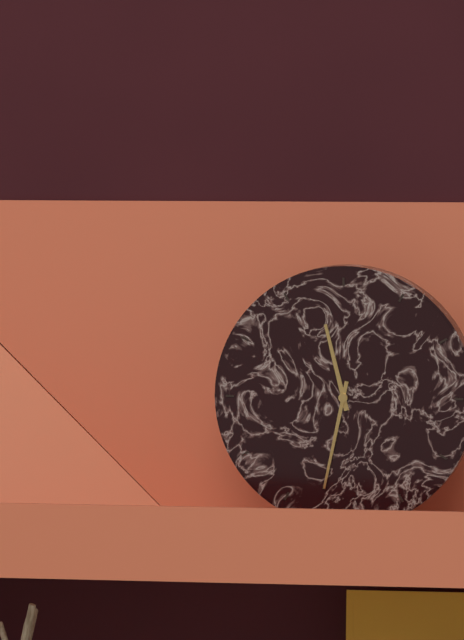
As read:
{"hour": 11, "minute": 32}
